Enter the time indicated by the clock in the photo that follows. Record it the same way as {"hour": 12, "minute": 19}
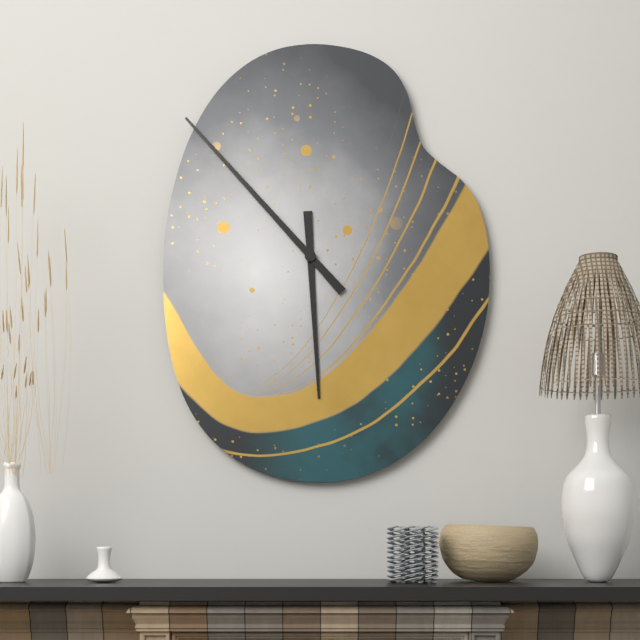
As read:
{"hour": 5, "minute": 53}
